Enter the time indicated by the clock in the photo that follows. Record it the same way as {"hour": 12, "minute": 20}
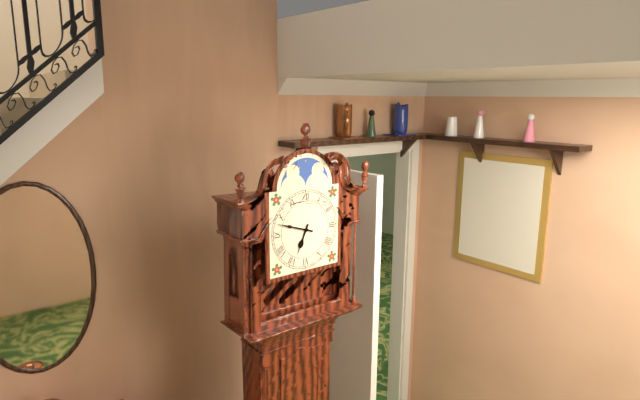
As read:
{"hour": 6, "minute": 48}
